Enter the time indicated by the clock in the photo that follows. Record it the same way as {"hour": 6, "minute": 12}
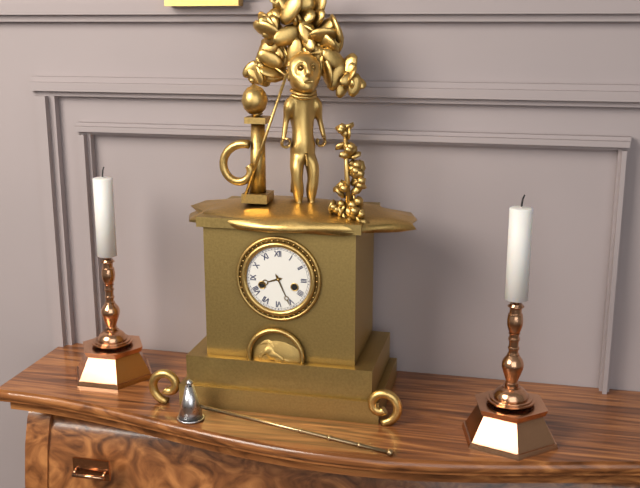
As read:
{"hour": 8, "minute": 26}
